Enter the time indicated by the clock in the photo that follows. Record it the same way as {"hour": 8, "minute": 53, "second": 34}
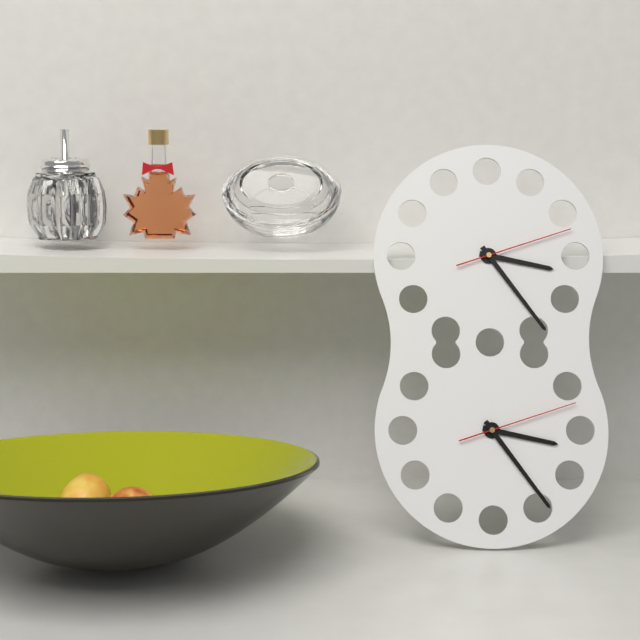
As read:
{"hour": 3, "minute": 24, "second": 12}
